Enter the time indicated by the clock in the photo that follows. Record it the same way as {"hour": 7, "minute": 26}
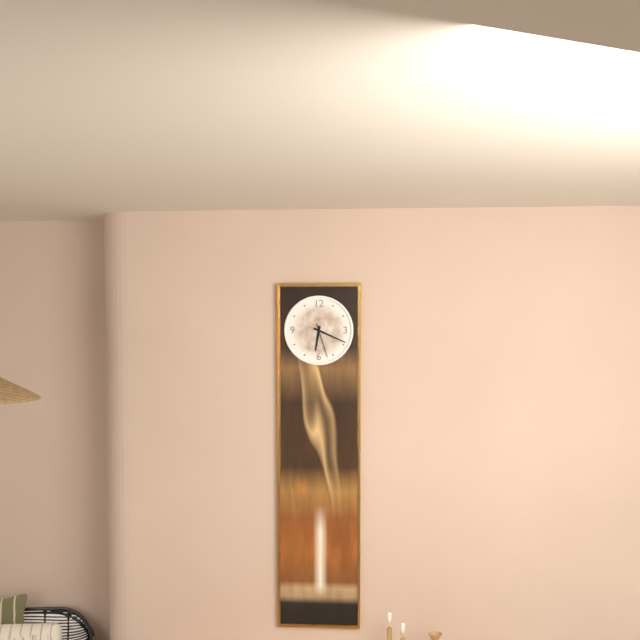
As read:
{"hour": 6, "minute": 19}
